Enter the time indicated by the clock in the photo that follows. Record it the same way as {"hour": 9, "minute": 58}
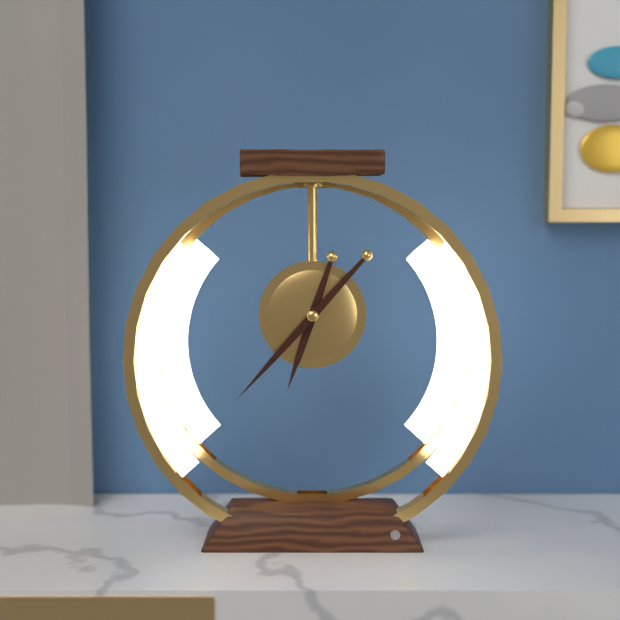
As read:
{"hour": 6, "minute": 37}
